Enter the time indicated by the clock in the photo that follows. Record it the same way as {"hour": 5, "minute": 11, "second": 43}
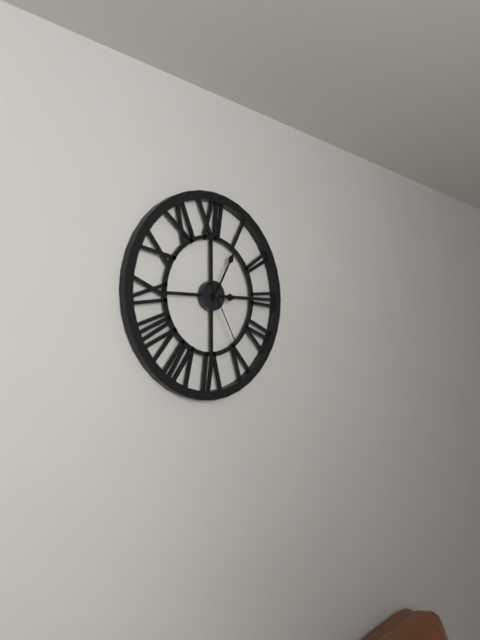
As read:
{"hour": 3, "minute": 5, "second": 25}
